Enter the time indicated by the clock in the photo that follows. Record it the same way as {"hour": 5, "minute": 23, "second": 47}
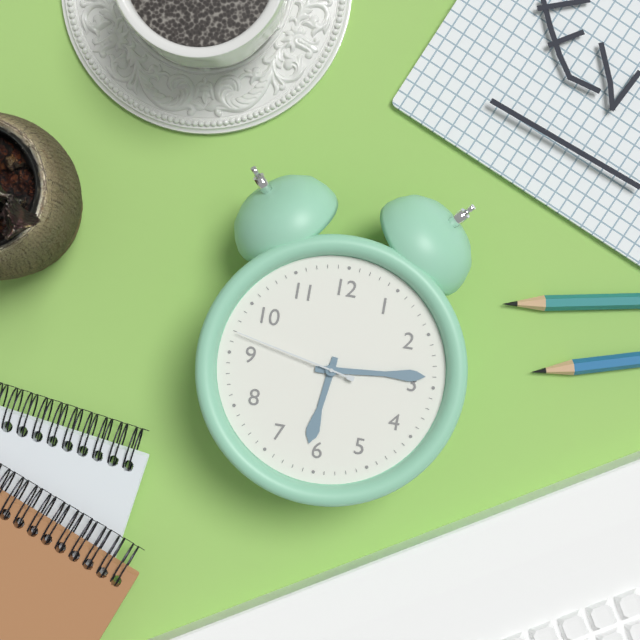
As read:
{"hour": 6, "minute": 14, "second": 47}
